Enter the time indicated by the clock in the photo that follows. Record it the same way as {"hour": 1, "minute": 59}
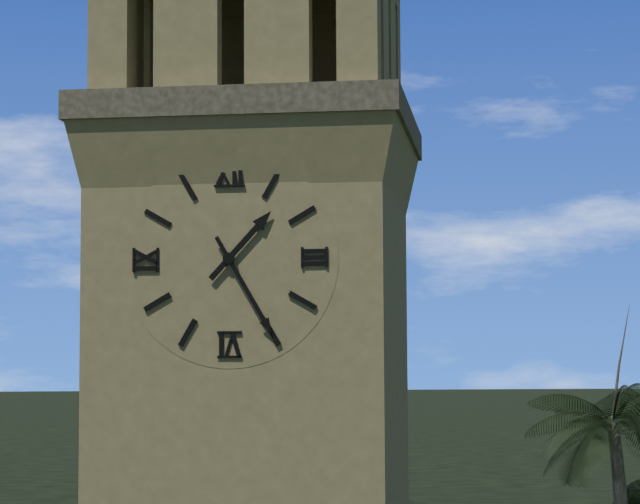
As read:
{"hour": 1, "minute": 25}
